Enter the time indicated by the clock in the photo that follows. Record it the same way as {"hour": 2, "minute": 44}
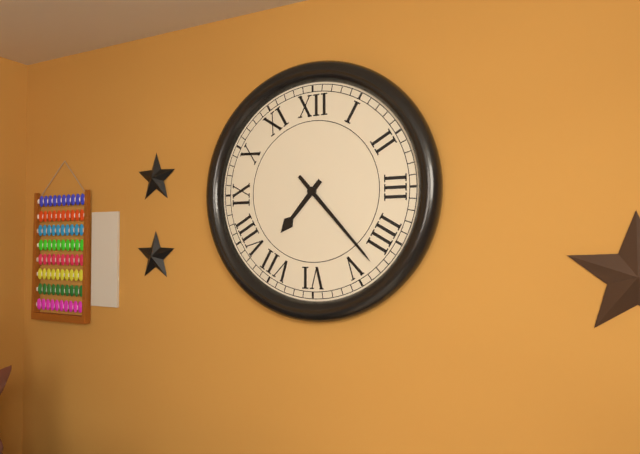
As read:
{"hour": 7, "minute": 23}
